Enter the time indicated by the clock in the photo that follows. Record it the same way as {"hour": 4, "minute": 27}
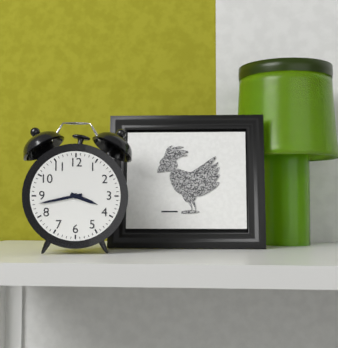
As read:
{"hour": 3, "minute": 43}
